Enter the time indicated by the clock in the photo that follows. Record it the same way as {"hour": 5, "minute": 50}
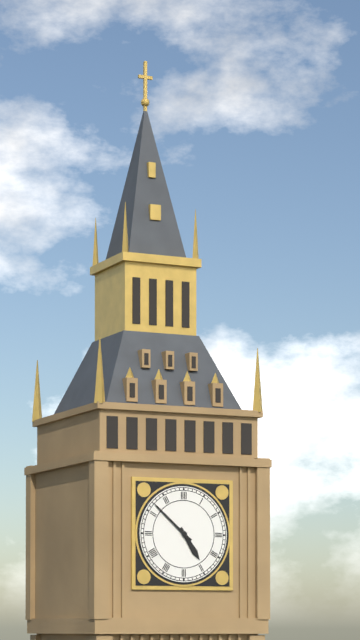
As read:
{"hour": 4, "minute": 52}
